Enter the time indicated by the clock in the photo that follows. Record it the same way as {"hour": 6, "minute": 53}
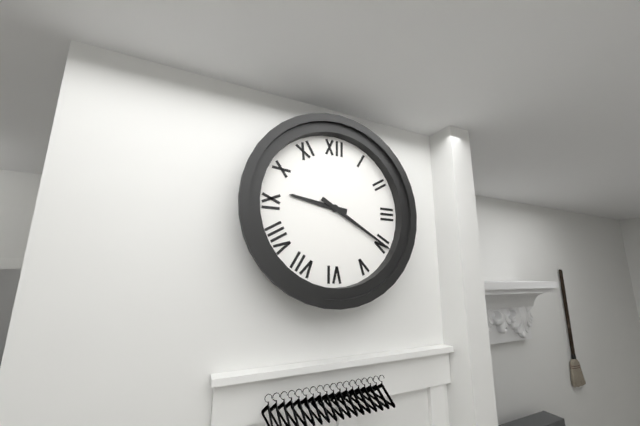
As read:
{"hour": 9, "minute": 20}
